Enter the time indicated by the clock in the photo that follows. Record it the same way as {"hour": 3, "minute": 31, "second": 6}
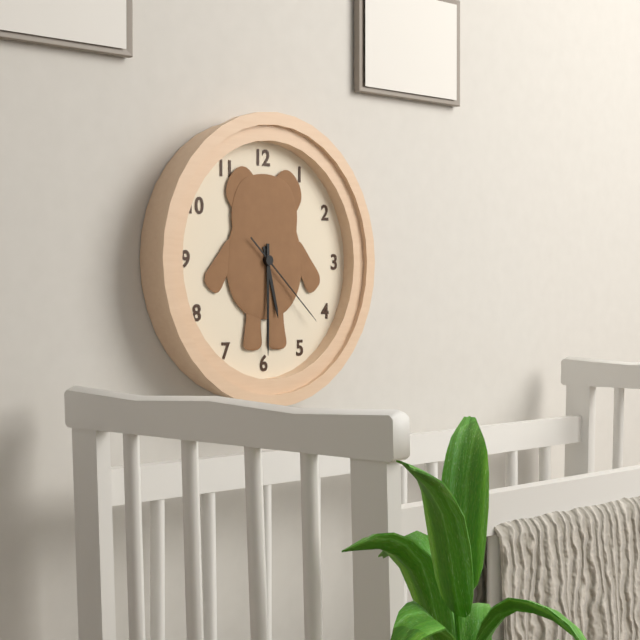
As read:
{"hour": 5, "minute": 30, "second": 22}
